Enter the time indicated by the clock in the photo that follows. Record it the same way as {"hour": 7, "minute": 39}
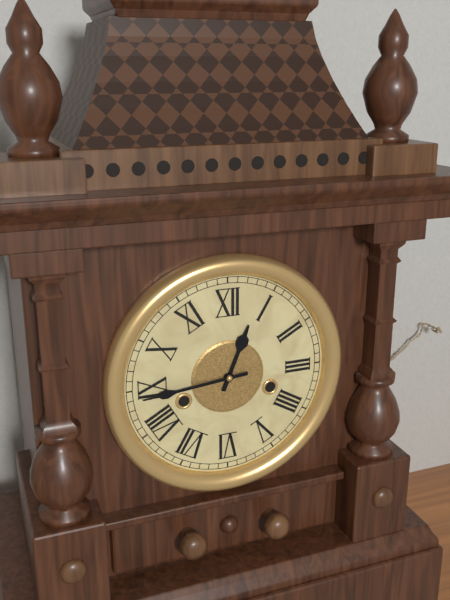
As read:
{"hour": 12, "minute": 44}
